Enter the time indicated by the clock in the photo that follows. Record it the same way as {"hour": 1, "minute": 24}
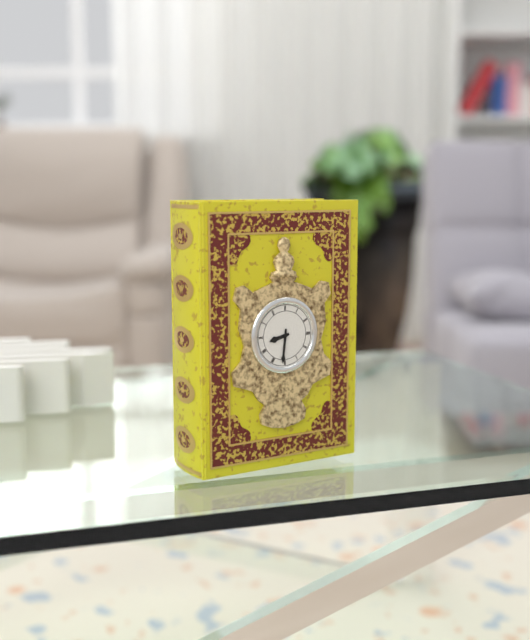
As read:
{"hour": 8, "minute": 31}
